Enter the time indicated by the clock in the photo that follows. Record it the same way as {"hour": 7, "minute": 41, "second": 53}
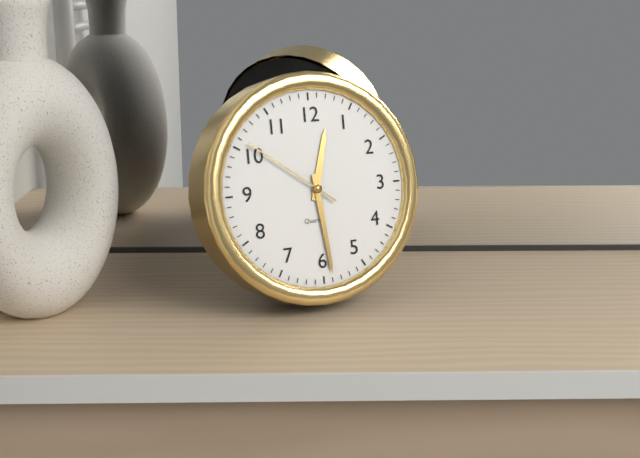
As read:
{"hour": 12, "minute": 29, "second": 51}
